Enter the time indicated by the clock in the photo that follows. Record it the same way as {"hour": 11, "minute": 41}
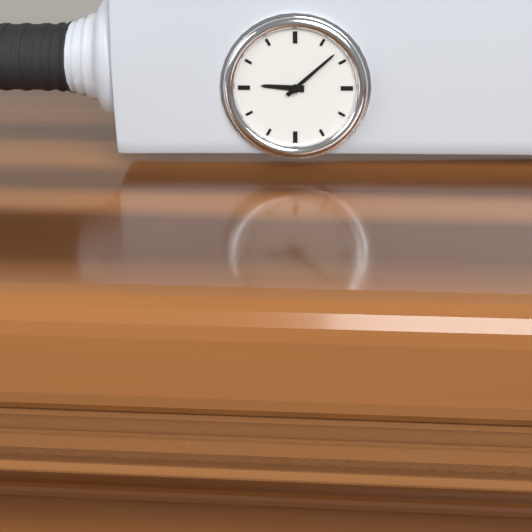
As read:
{"hour": 9, "minute": 8}
